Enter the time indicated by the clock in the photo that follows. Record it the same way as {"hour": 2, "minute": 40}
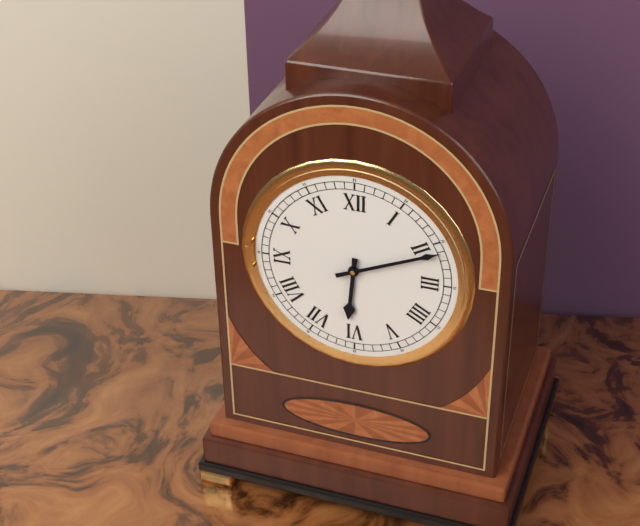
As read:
{"hour": 6, "minute": 11}
